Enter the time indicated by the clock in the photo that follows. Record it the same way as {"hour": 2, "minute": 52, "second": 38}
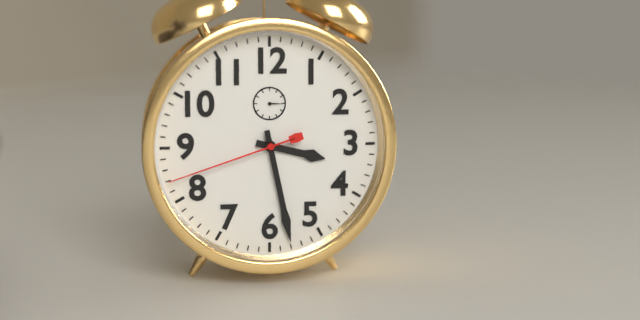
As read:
{"hour": 3, "minute": 28, "second": 42}
